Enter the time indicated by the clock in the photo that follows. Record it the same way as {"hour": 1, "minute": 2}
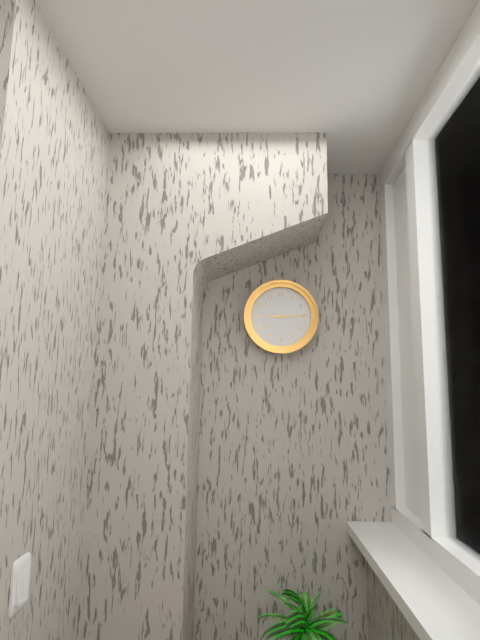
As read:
{"hour": 9, "minute": 14}
